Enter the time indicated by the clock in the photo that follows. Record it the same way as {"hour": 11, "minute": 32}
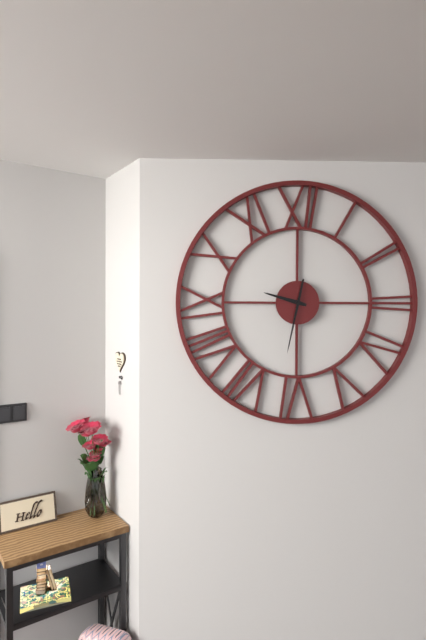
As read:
{"hour": 9, "minute": 32}
